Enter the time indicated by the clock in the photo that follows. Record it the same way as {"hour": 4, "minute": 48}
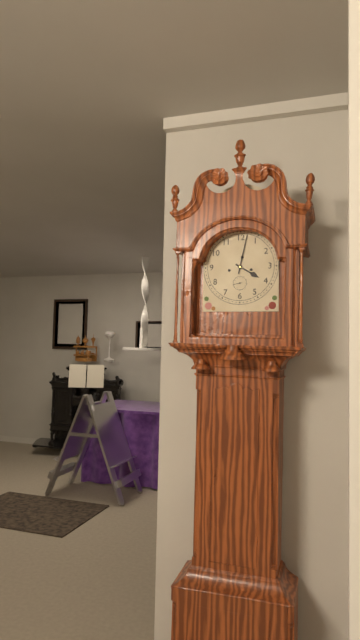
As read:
{"hour": 4, "minute": 2}
